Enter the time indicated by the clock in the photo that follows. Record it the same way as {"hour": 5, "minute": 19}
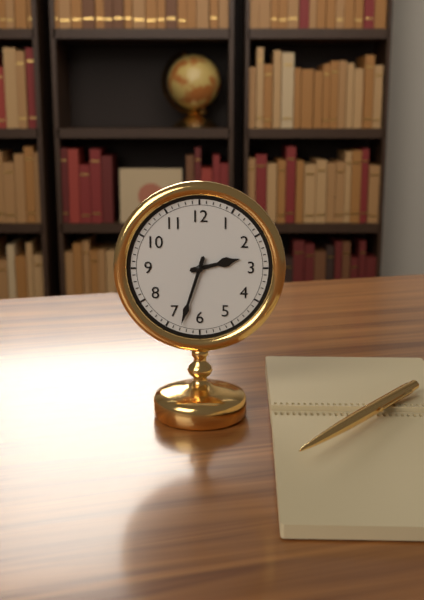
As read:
{"hour": 2, "minute": 33}
